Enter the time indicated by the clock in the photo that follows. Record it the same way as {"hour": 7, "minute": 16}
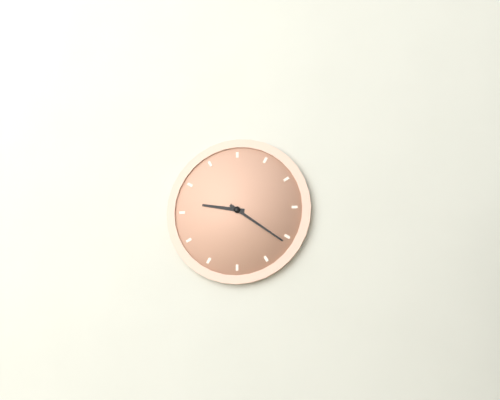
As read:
{"hour": 9, "minute": 21}
